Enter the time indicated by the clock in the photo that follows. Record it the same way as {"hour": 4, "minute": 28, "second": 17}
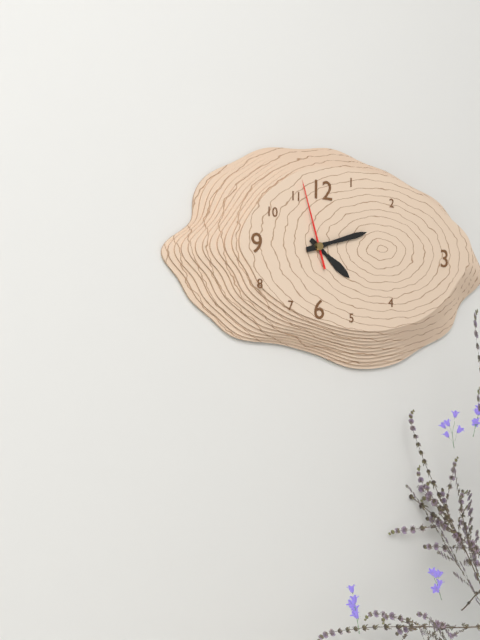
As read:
{"hour": 4, "minute": 12, "second": 57}
